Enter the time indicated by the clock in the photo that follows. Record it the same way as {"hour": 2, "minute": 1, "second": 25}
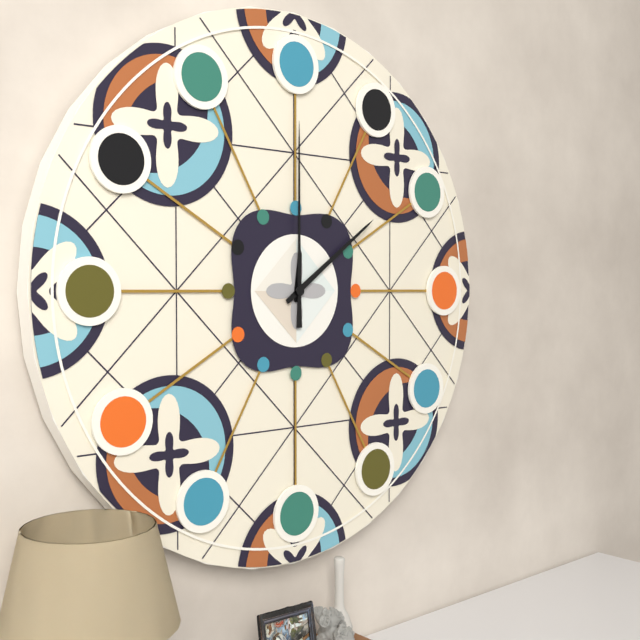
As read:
{"hour": 12, "minute": 9, "second": 0}
